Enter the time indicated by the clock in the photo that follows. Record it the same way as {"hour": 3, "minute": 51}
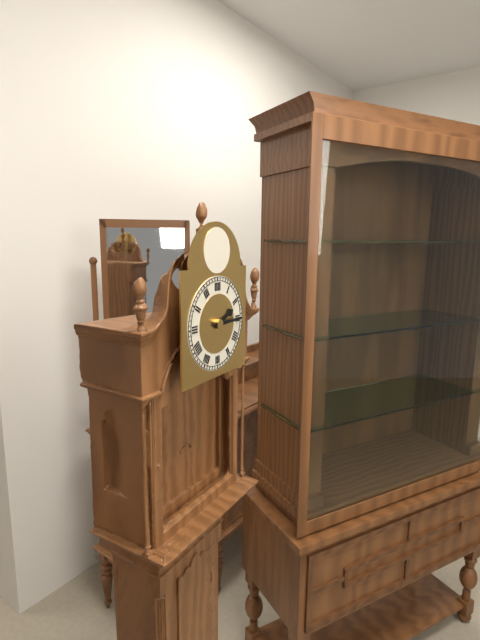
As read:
{"hour": 2, "minute": 15}
